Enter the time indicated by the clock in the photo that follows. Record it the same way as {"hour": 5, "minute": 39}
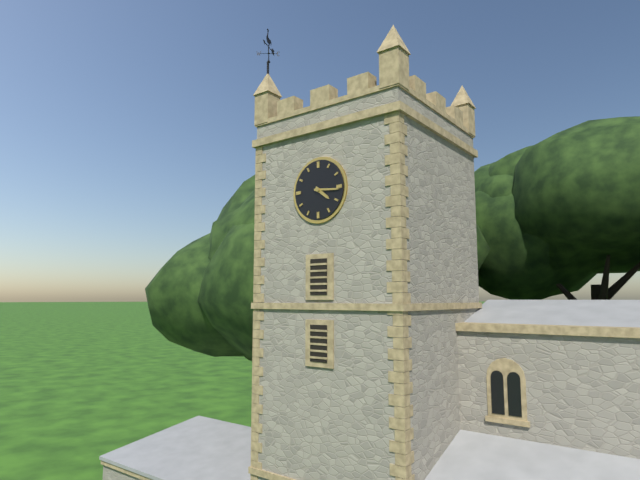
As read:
{"hour": 4, "minute": 16}
